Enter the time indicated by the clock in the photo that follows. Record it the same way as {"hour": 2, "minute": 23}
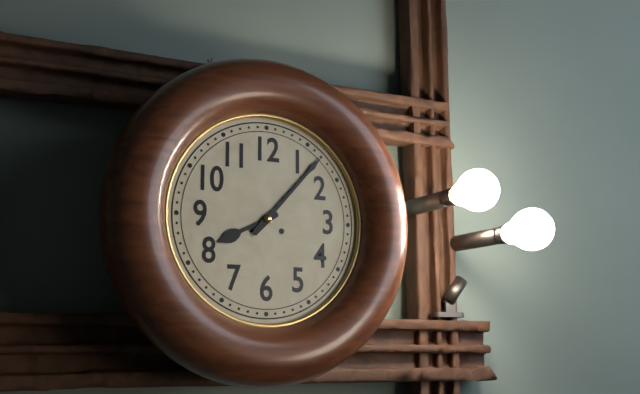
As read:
{"hour": 8, "minute": 7}
